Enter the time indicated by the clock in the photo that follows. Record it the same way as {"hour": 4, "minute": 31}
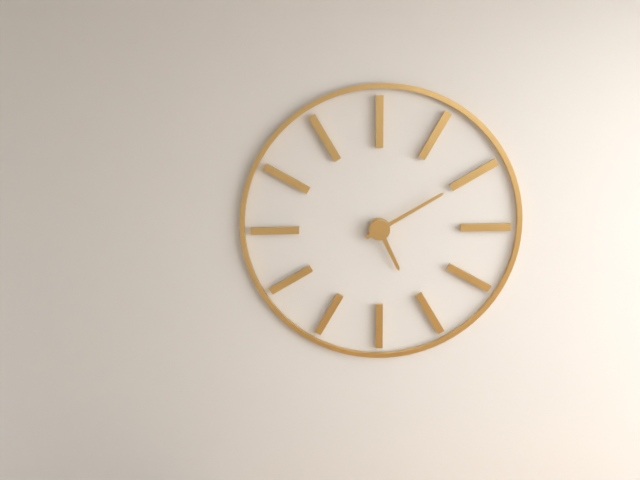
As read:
{"hour": 5, "minute": 10}
